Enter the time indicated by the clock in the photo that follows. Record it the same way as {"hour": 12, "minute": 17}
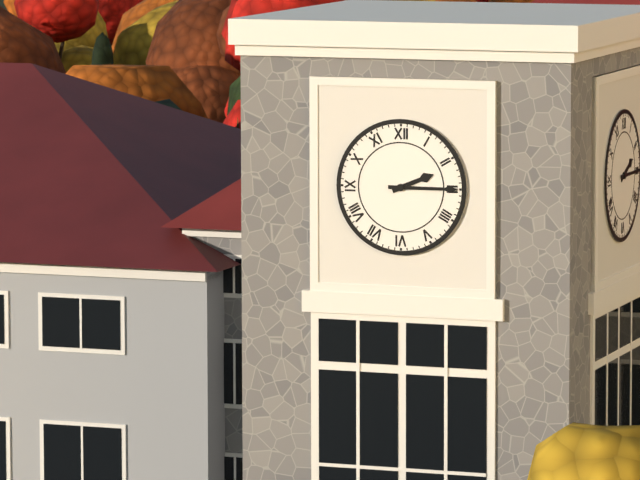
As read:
{"hour": 2, "minute": 15}
